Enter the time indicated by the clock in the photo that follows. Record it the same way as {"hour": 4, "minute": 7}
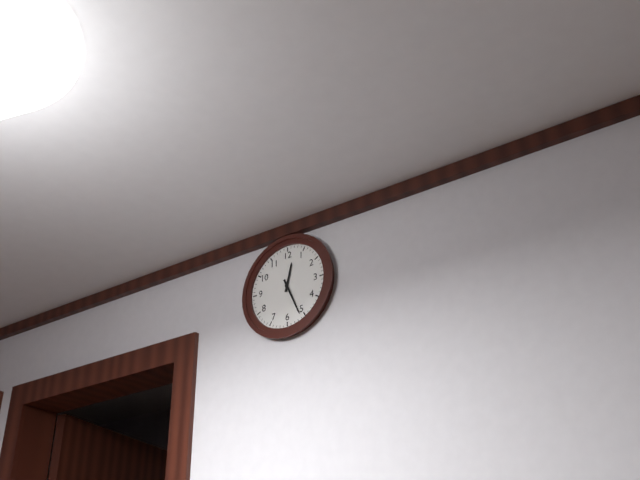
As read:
{"hour": 12, "minute": 26}
